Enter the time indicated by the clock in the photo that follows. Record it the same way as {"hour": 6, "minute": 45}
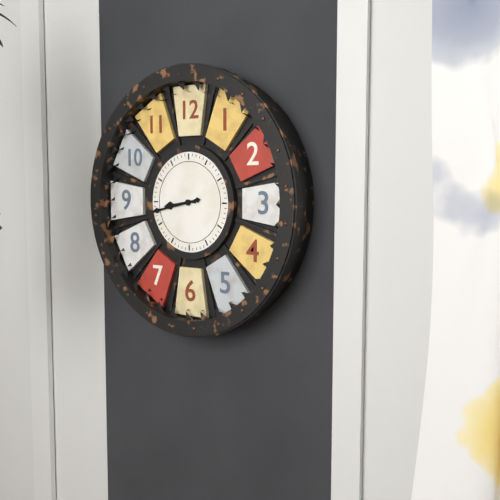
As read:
{"hour": 8, "minute": 43}
